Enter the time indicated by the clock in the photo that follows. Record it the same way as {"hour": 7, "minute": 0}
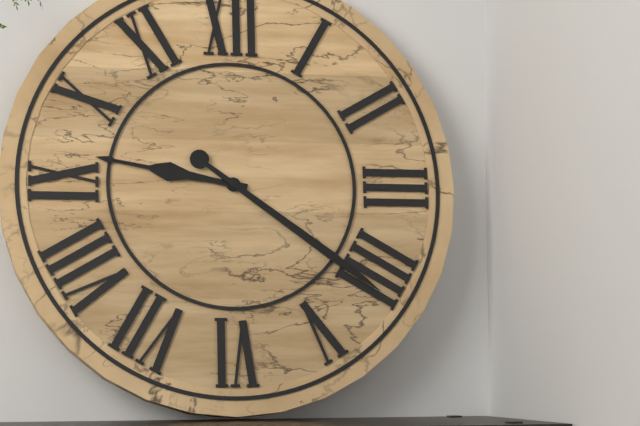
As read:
{"hour": 9, "minute": 21}
